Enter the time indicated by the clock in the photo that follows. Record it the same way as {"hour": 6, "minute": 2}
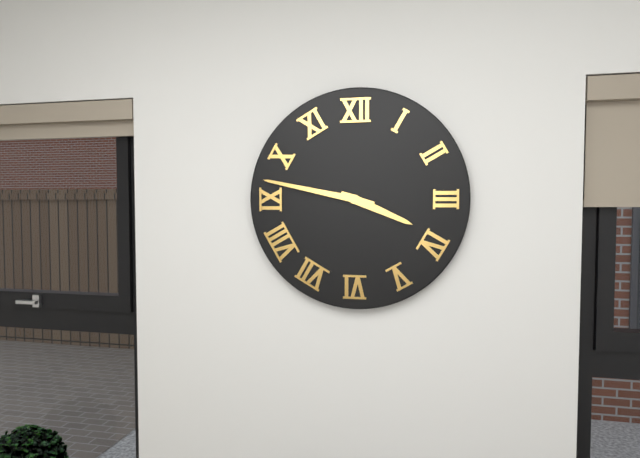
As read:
{"hour": 3, "minute": 47}
